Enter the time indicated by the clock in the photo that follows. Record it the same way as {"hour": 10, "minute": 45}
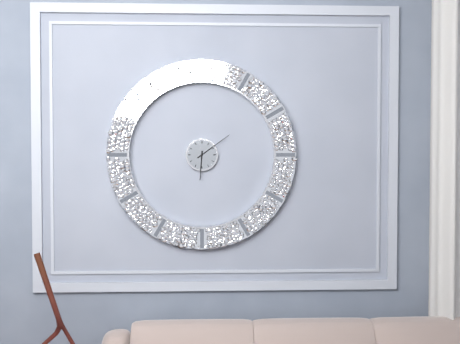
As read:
{"hour": 6, "minute": 9}
